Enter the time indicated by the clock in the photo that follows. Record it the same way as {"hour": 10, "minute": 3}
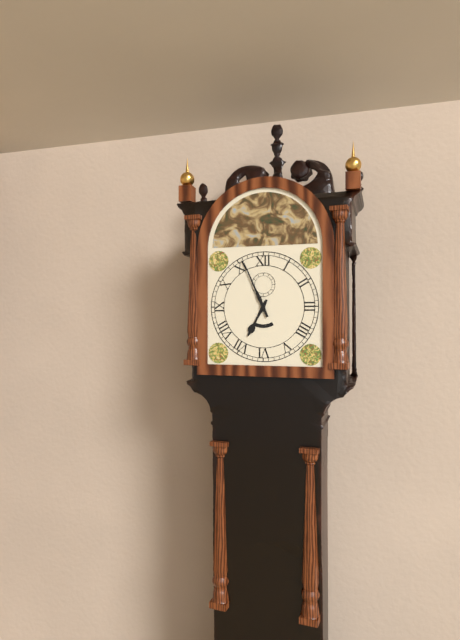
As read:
{"hour": 6, "minute": 56}
